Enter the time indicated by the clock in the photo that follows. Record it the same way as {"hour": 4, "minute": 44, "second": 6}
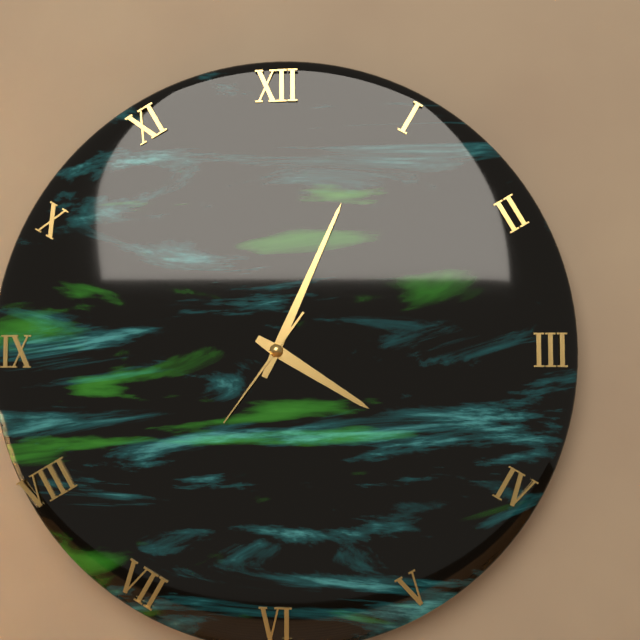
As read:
{"hour": 4, "minute": 4, "second": 36}
